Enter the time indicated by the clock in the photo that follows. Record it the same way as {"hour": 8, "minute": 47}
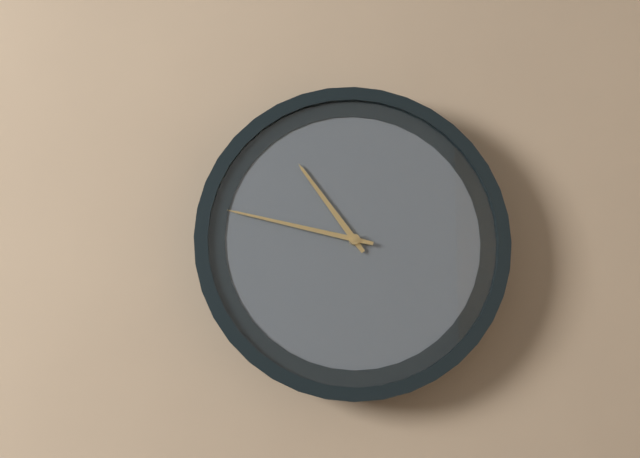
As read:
{"hour": 10, "minute": 47}
